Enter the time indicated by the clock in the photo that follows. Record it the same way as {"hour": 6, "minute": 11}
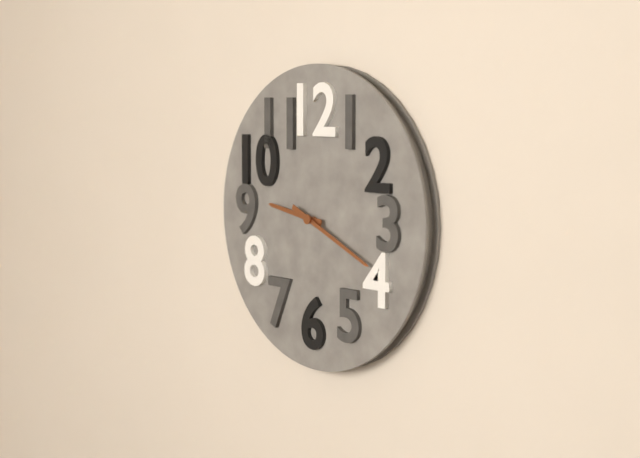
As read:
{"hour": 9, "minute": 19}
